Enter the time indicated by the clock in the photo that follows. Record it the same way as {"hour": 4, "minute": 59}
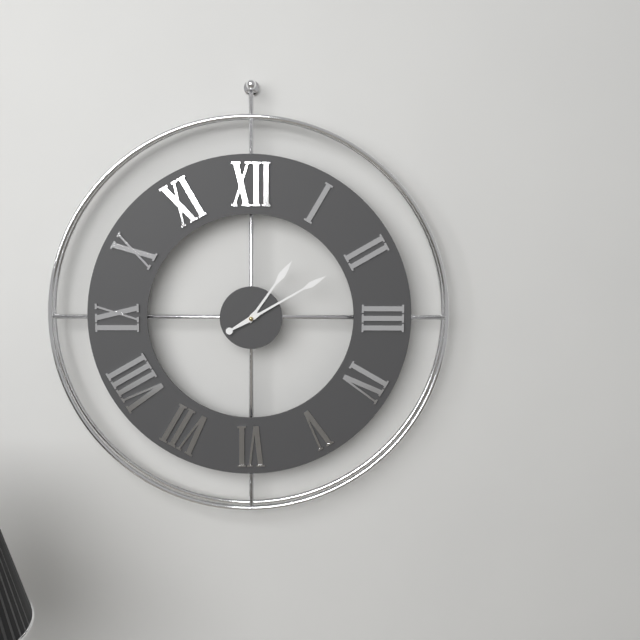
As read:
{"hour": 1, "minute": 10}
